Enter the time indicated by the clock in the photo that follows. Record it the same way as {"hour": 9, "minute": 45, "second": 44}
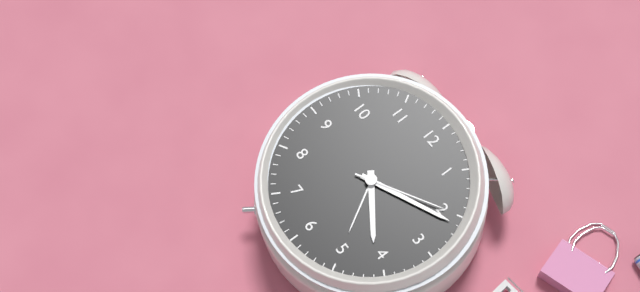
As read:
{"hour": 4, "minute": 11, "second": 10}
